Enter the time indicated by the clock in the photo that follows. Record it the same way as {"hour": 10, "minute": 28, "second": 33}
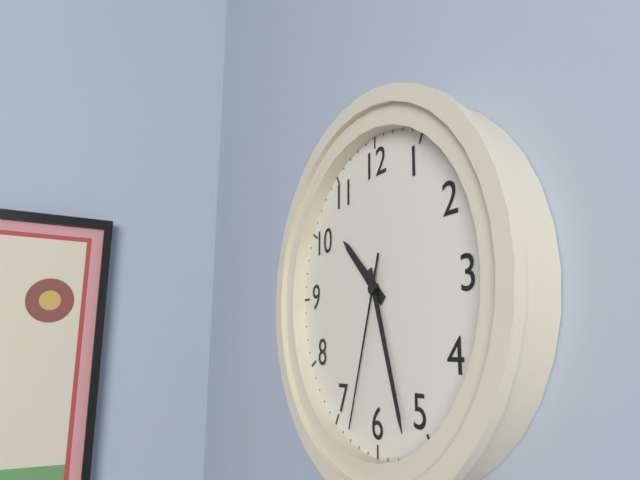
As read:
{"hour": 10, "minute": 27, "second": 33}
